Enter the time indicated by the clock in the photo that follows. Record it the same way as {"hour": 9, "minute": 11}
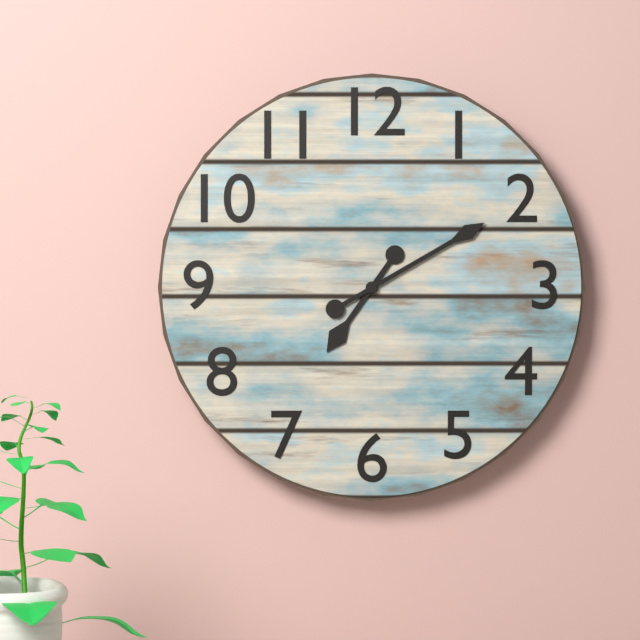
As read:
{"hour": 7, "minute": 10}
